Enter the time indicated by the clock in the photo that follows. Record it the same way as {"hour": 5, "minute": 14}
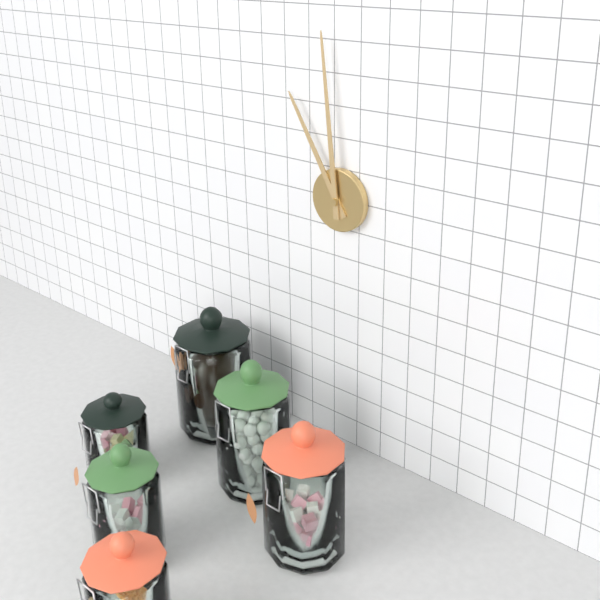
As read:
{"hour": 10, "minute": 59}
